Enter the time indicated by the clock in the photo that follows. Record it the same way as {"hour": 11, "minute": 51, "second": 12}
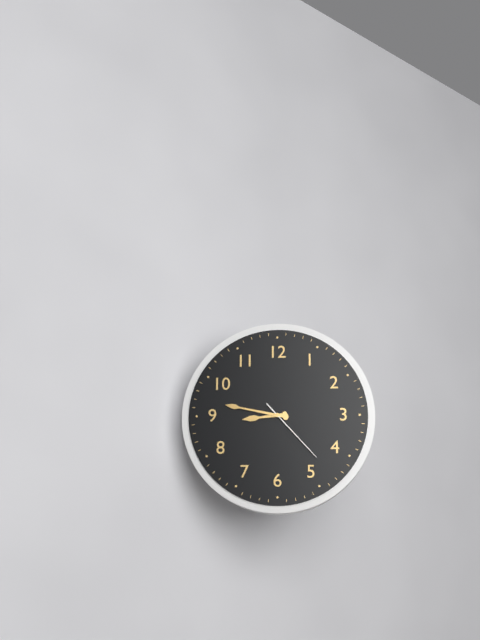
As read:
{"hour": 8, "minute": 47, "second": 23}
